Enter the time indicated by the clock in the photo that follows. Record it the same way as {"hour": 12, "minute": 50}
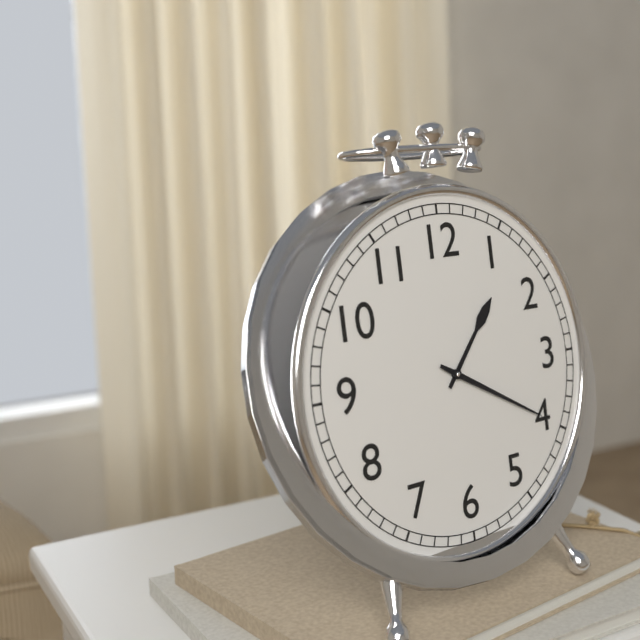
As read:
{"hour": 1, "minute": 20}
